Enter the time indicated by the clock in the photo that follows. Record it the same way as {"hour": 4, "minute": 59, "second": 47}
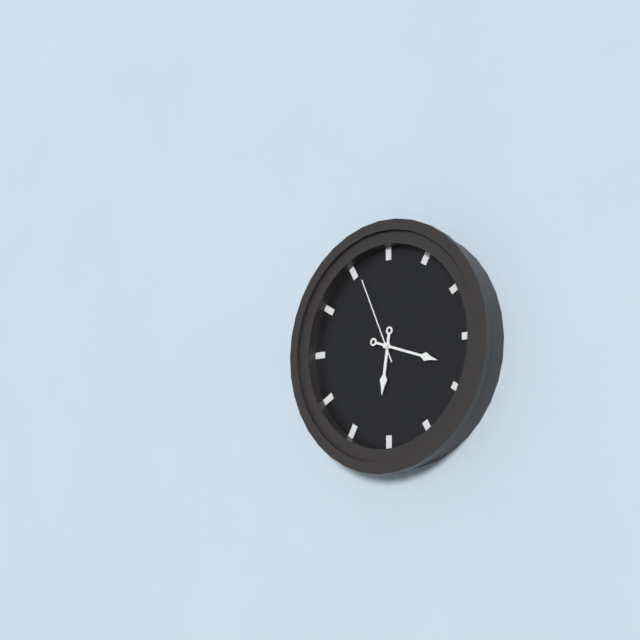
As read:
{"hour": 6, "minute": 18, "second": 56}
